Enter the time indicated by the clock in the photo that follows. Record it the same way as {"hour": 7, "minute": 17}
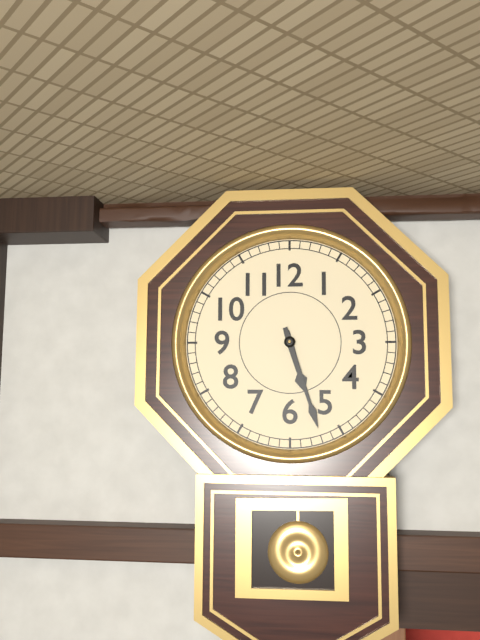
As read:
{"hour": 5, "minute": 27}
